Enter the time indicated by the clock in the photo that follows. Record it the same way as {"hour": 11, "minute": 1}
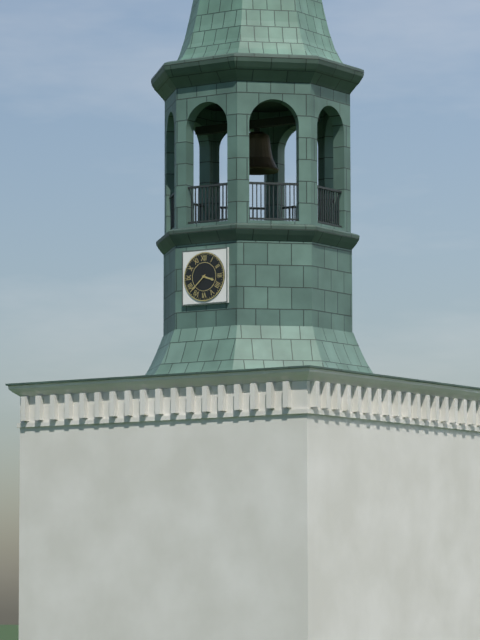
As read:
{"hour": 3, "minute": 38}
